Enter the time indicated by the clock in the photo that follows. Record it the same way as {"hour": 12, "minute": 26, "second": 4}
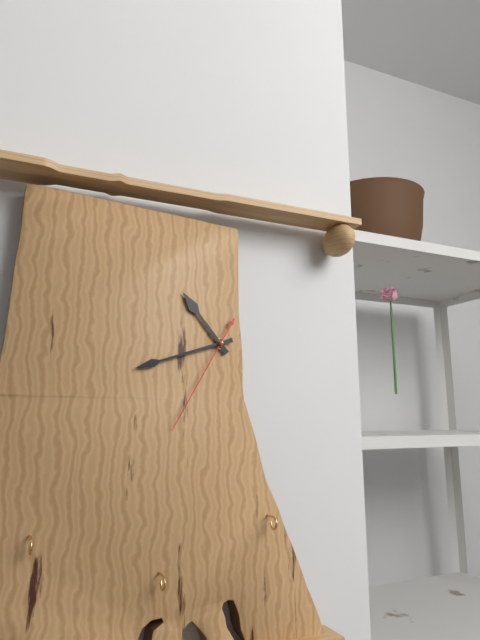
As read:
{"hour": 10, "minute": 42, "second": 35}
